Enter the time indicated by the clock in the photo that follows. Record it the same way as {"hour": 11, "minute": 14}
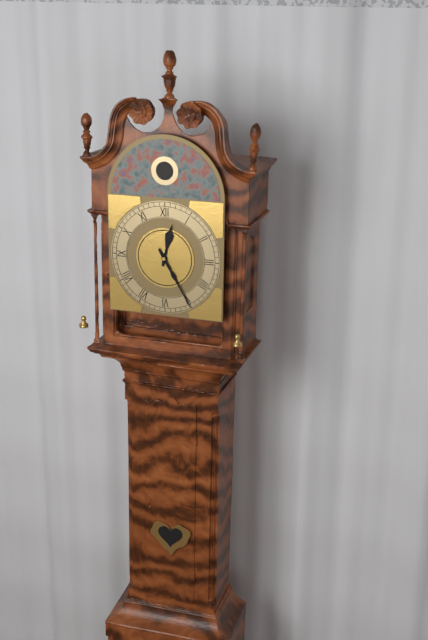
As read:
{"hour": 12, "minute": 25}
